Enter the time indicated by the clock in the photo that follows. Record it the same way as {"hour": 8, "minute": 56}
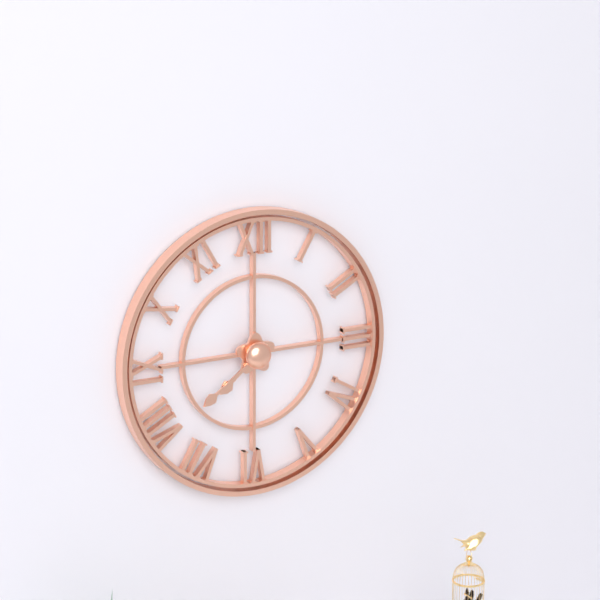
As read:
{"hour": 7, "minute": 39}
